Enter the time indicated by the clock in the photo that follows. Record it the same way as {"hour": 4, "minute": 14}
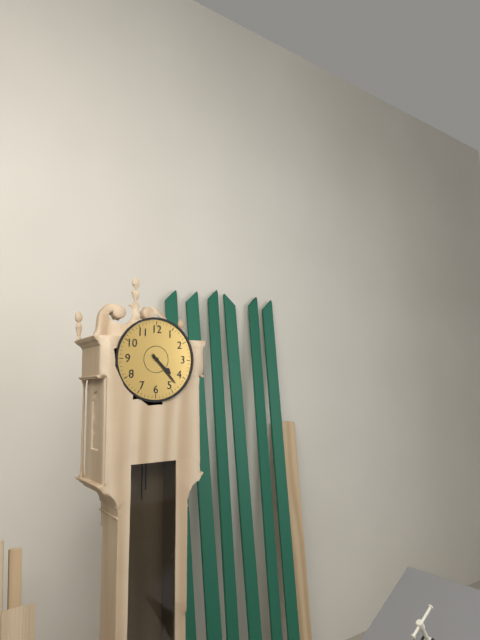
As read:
{"hour": 4, "minute": 23}
